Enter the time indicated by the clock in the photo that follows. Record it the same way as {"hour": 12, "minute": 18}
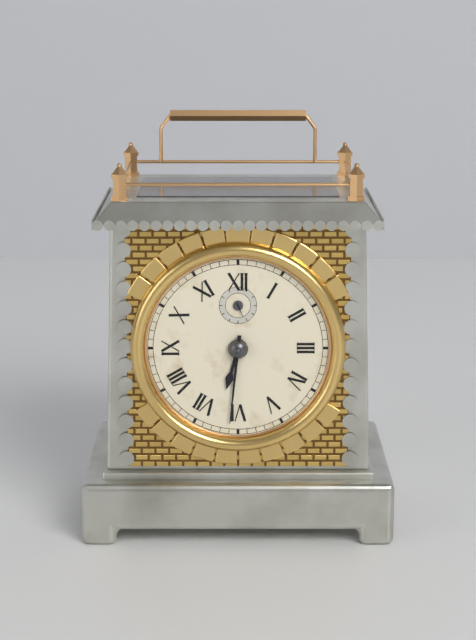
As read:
{"hour": 6, "minute": 31}
